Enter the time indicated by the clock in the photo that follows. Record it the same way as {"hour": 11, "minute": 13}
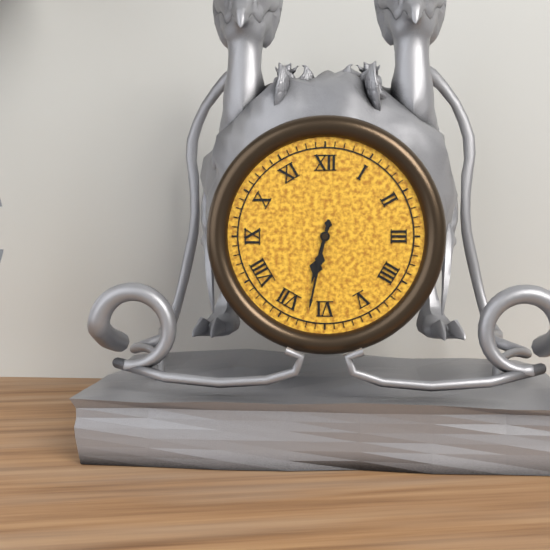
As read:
{"hour": 6, "minute": 32}
